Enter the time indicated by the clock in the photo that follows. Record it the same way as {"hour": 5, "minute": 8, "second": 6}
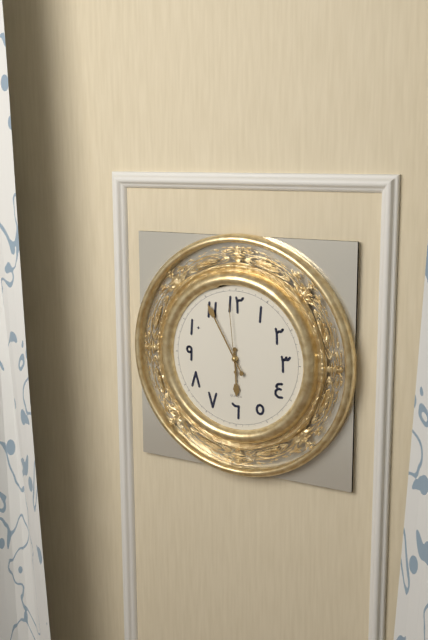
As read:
{"hour": 5, "minute": 55, "second": 59}
